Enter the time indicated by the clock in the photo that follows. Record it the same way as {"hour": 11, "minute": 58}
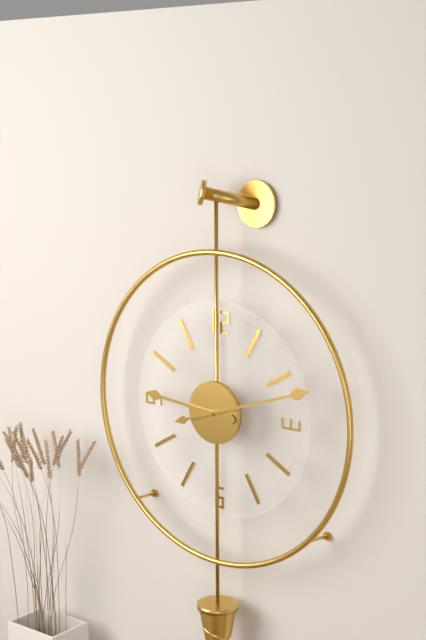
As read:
{"hour": 9, "minute": 12}
